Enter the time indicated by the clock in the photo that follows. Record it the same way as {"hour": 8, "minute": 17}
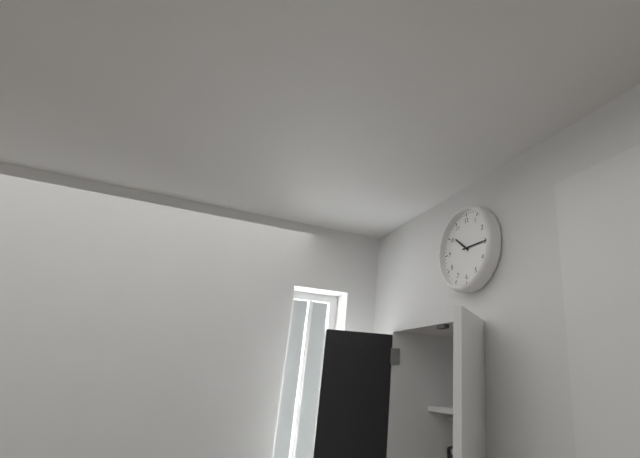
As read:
{"hour": 10, "minute": 15}
